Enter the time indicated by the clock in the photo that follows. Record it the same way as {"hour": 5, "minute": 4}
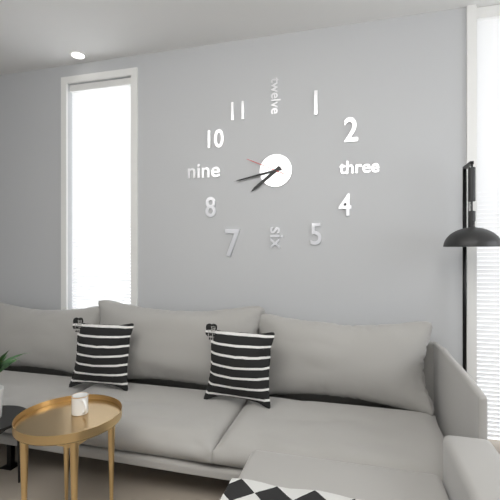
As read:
{"hour": 7, "minute": 43}
